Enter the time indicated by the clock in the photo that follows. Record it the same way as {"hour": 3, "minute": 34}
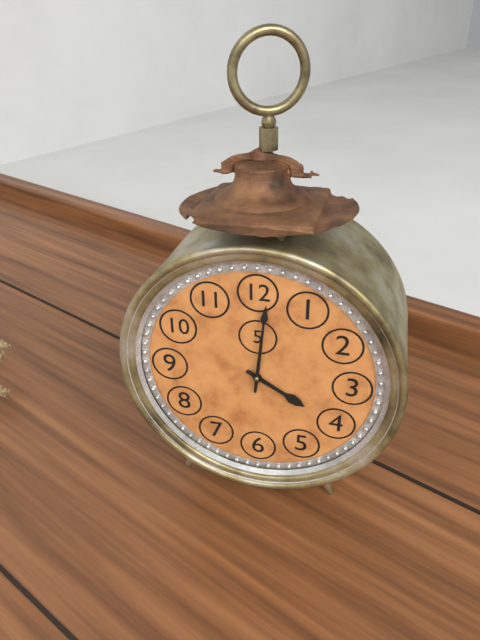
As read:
{"hour": 4, "minute": 1}
